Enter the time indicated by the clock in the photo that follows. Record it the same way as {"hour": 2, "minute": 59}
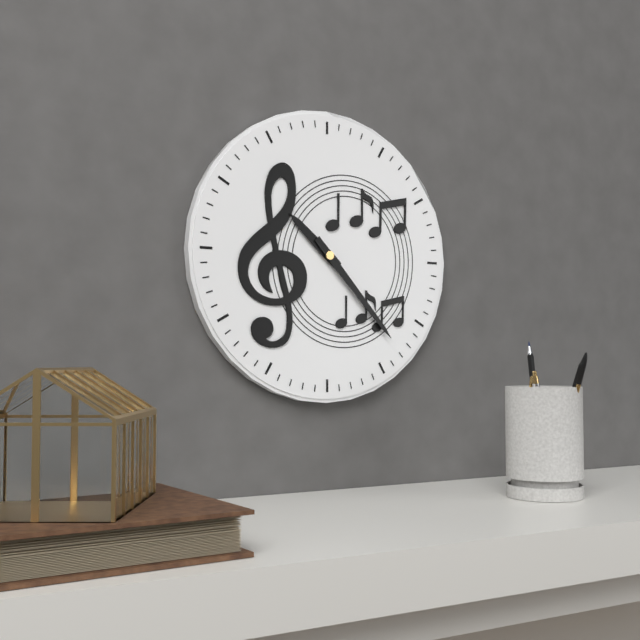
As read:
{"hour": 10, "minute": 23}
